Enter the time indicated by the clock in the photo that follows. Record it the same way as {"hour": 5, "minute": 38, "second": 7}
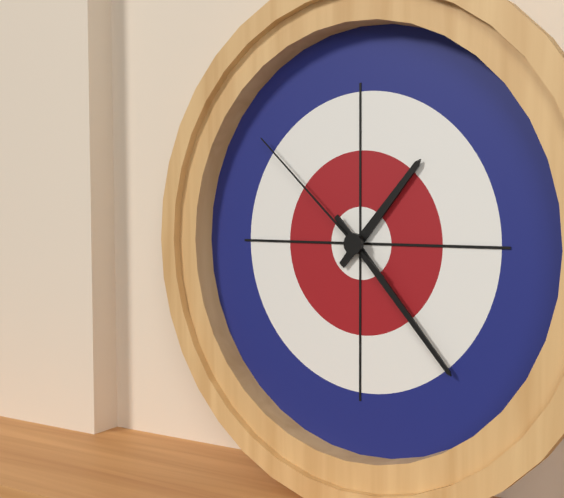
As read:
{"hour": 1, "minute": 23, "second": 52}
